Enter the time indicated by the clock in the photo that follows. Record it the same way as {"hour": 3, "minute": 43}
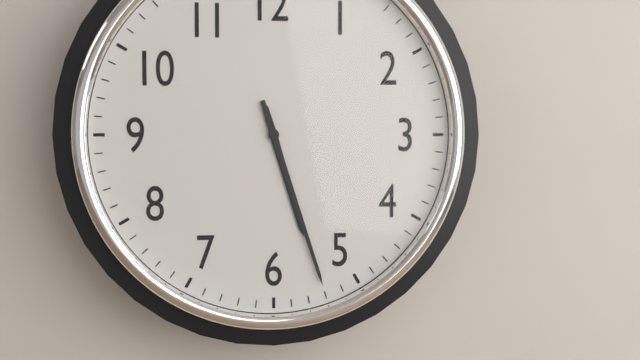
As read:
{"hour": 5, "minute": 27}
